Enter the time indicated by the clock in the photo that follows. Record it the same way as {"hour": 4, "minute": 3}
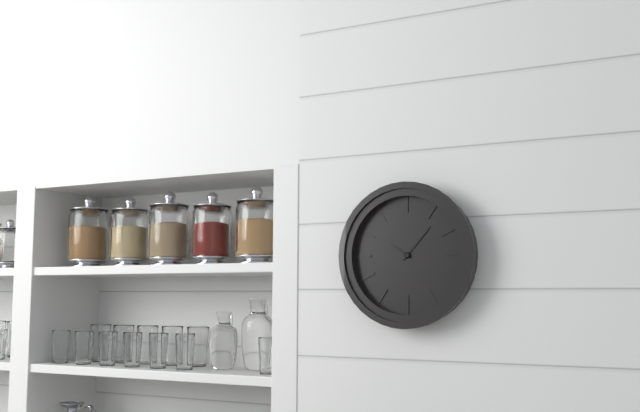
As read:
{"hour": 10, "minute": 7}
